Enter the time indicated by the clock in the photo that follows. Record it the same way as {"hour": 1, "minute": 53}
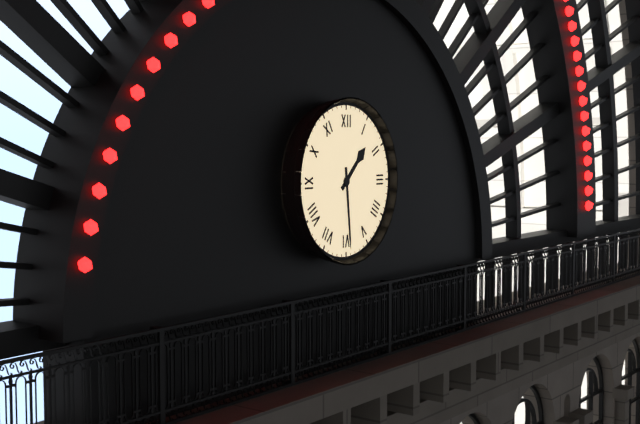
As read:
{"hour": 1, "minute": 29}
